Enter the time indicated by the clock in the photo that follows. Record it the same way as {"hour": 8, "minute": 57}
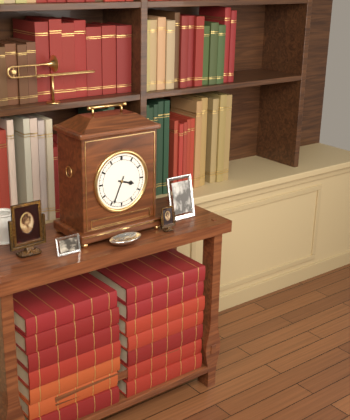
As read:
{"hour": 3, "minute": 34}
